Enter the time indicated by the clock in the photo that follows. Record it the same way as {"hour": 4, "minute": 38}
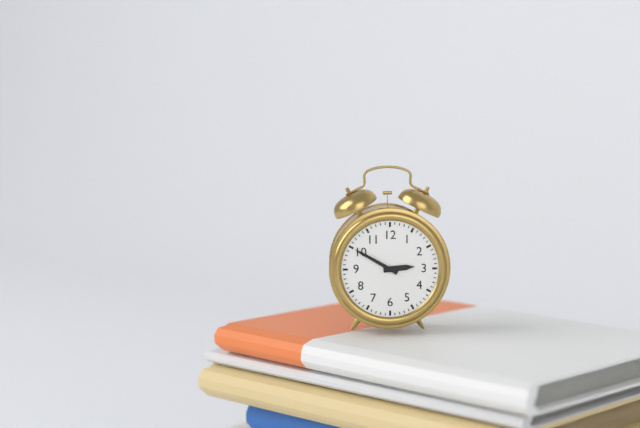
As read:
{"hour": 2, "minute": 50}
